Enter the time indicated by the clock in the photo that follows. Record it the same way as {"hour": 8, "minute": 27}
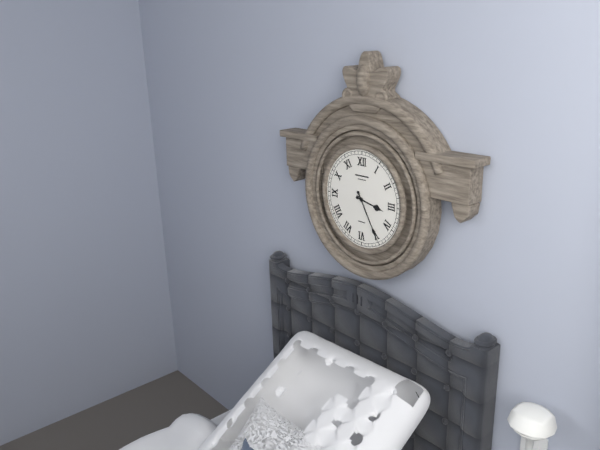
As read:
{"hour": 3, "minute": 25}
